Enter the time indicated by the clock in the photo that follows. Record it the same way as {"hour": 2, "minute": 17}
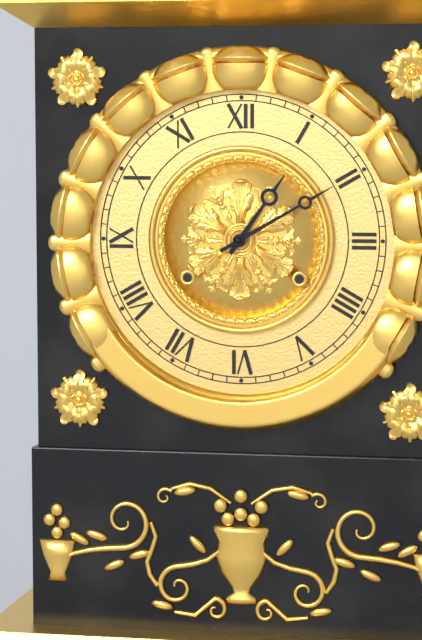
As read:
{"hour": 1, "minute": 10}
